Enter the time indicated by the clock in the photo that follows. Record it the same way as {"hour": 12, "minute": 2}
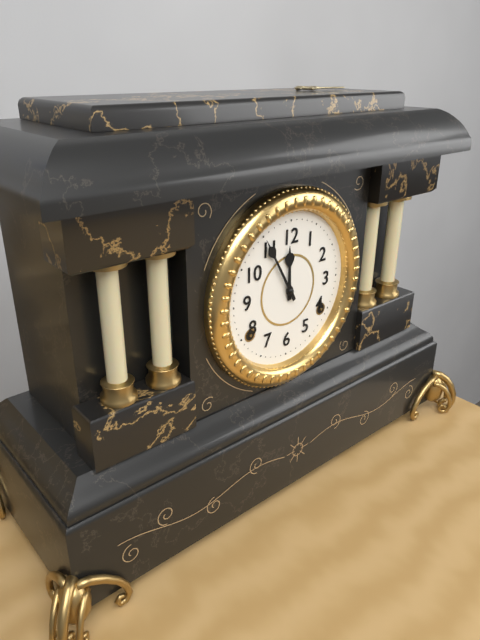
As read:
{"hour": 11, "minute": 55}
